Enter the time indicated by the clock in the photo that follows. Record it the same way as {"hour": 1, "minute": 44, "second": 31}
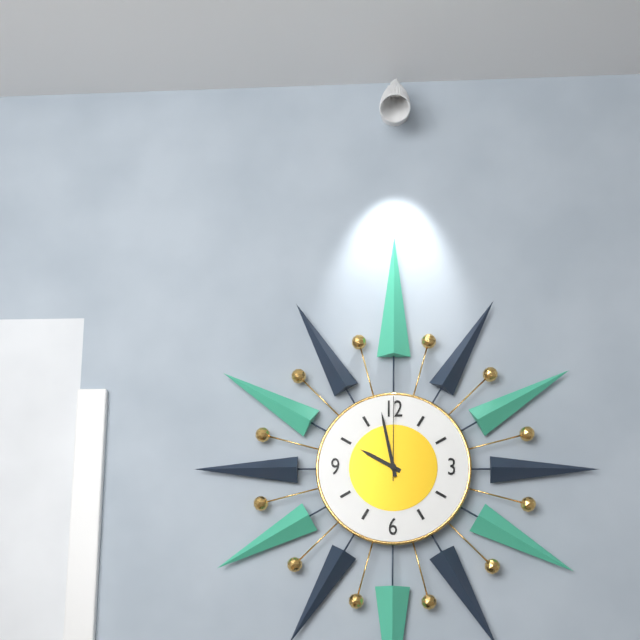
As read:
{"hour": 9, "minute": 58, "second": 0}
